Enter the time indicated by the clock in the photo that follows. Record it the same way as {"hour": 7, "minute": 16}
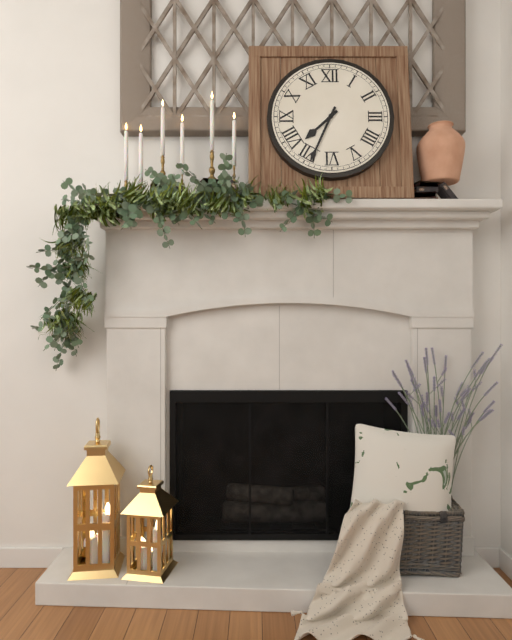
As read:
{"hour": 7, "minute": 34}
